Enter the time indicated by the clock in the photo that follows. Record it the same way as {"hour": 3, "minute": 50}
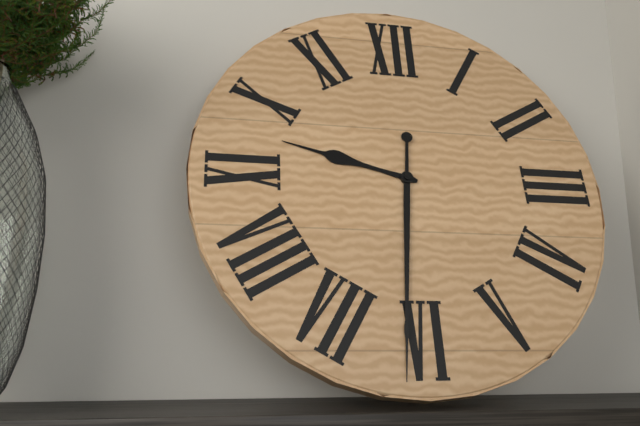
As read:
{"hour": 9, "minute": 31}
